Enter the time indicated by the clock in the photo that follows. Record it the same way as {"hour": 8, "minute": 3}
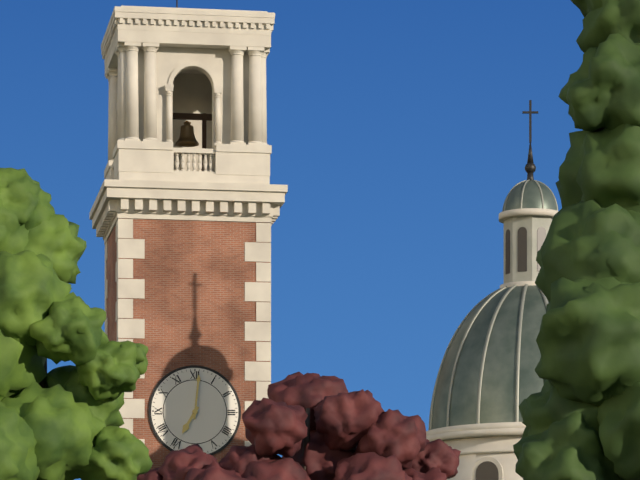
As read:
{"hour": 7, "minute": 1}
